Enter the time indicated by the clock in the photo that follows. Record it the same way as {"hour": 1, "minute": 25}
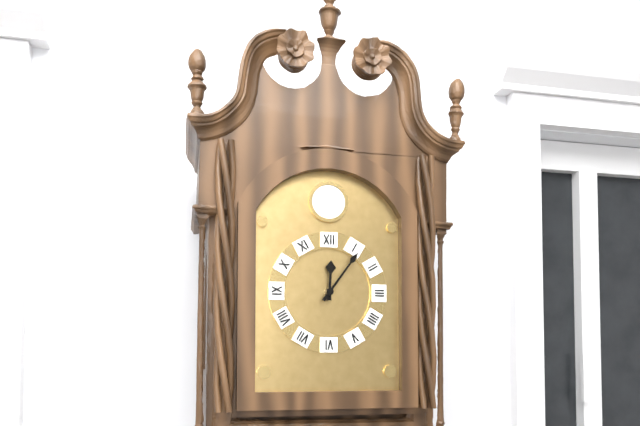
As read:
{"hour": 12, "minute": 6}
